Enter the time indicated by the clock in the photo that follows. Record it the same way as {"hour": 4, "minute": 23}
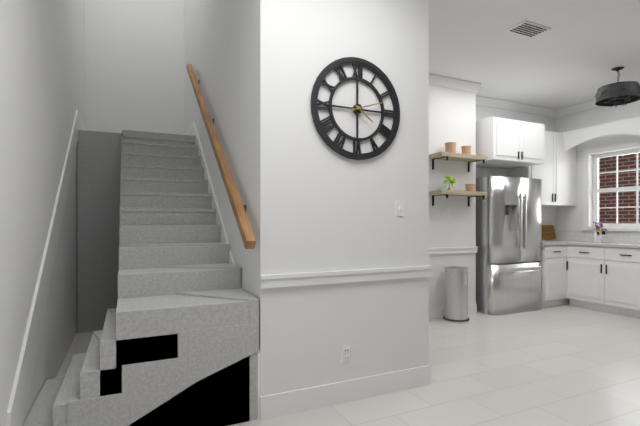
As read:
{"hour": 4, "minute": 12}
